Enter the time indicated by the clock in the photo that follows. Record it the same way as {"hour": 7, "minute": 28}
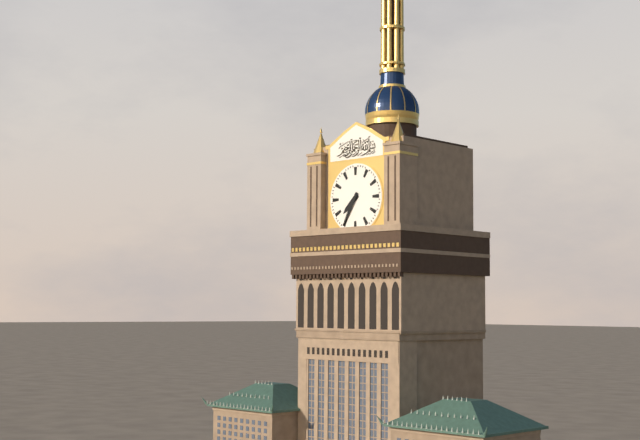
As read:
{"hour": 7, "minute": 35}
